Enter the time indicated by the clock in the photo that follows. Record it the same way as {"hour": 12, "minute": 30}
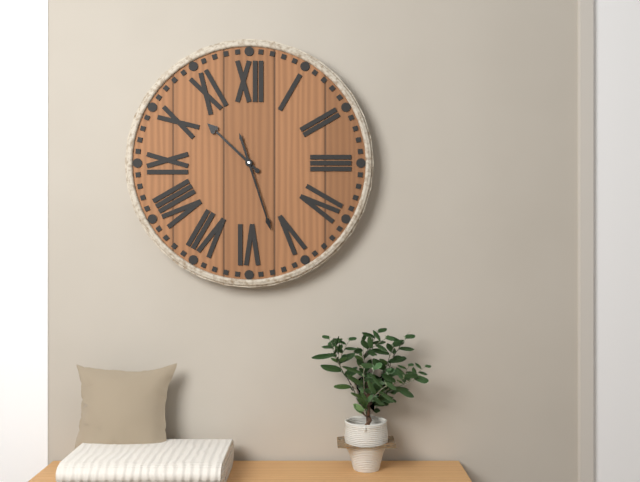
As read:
{"hour": 10, "minute": 27}
